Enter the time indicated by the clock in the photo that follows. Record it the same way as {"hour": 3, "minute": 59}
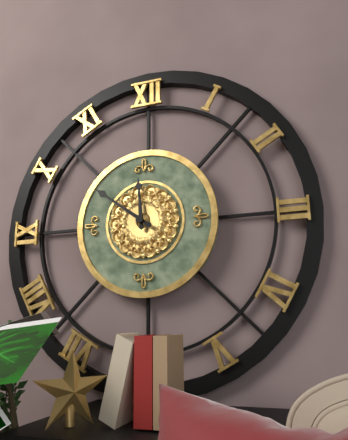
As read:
{"hour": 11, "minute": 51}
